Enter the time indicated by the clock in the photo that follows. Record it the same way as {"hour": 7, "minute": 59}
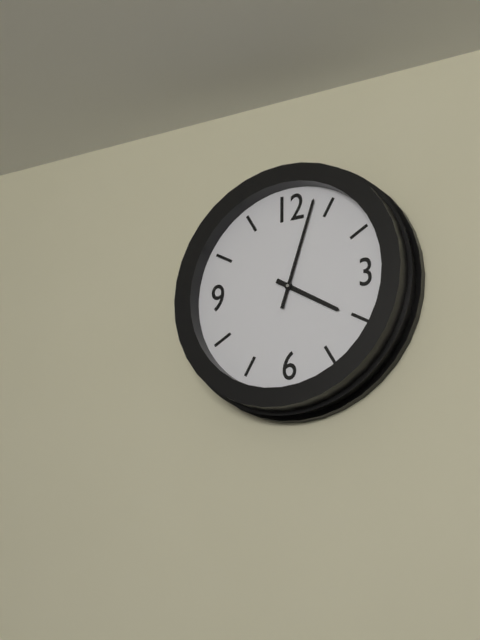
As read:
{"hour": 4, "minute": 3}
